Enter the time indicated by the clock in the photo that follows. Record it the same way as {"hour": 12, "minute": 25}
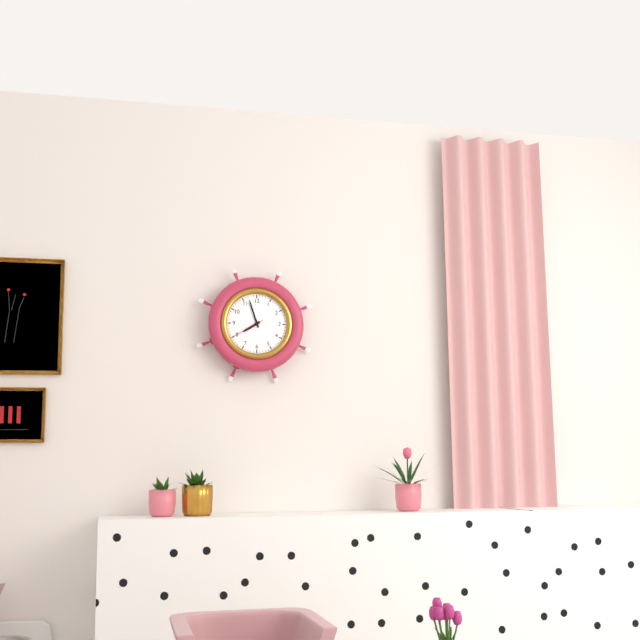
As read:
{"hour": 7, "minute": 57}
